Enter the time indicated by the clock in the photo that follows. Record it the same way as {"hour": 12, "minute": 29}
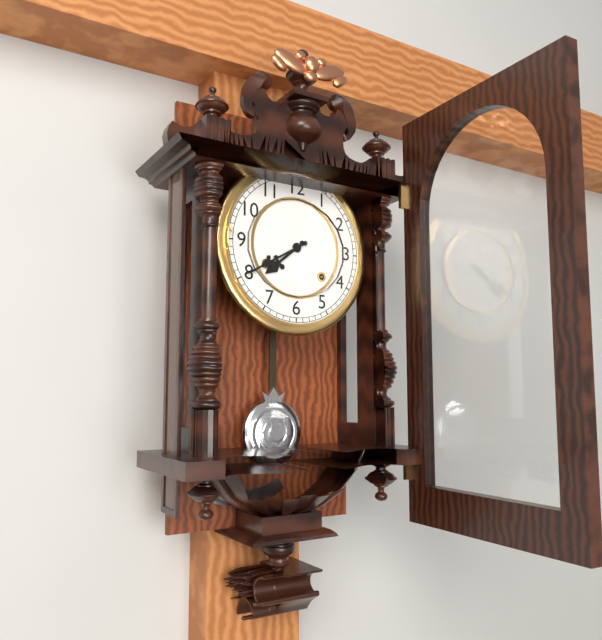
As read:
{"hour": 7, "minute": 40}
